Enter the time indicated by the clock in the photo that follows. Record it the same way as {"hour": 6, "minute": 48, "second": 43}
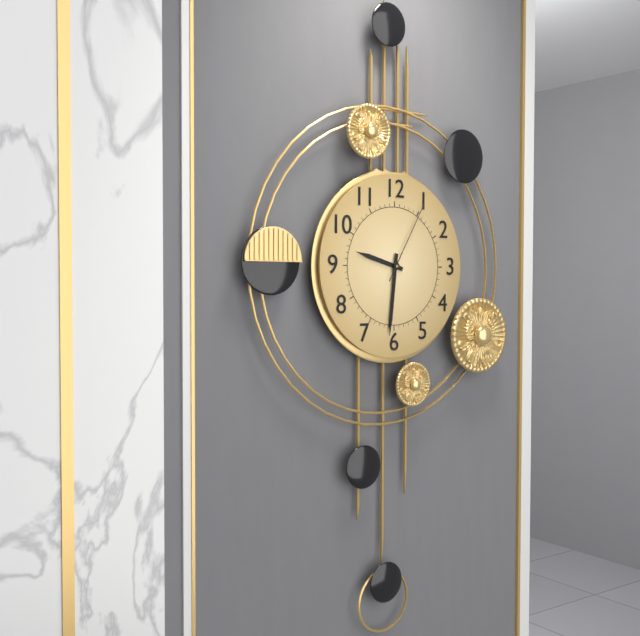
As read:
{"hour": 9, "minute": 31, "second": 5}
